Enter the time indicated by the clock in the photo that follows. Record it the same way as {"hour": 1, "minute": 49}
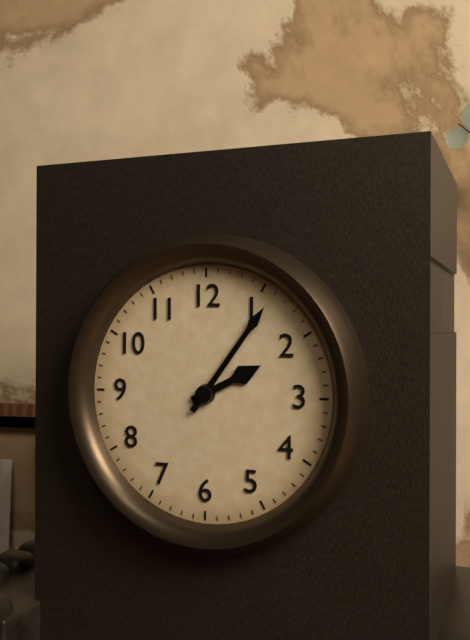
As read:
{"hour": 2, "minute": 6}
